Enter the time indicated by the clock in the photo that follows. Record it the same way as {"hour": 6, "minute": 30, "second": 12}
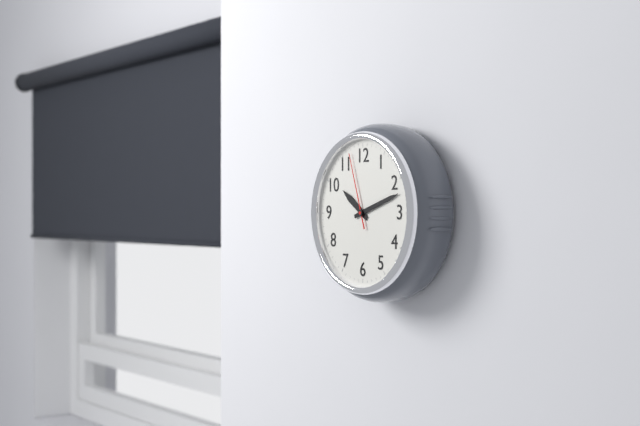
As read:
{"hour": 10, "minute": 12, "second": 57}
